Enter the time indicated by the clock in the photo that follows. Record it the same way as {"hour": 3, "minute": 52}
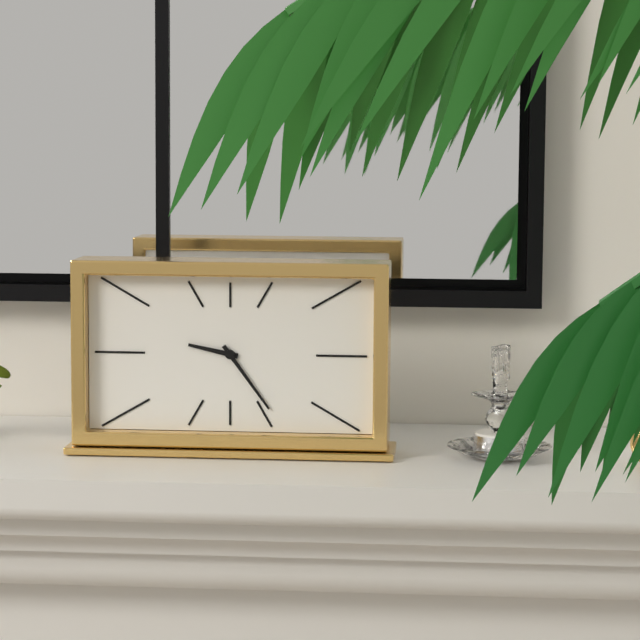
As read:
{"hour": 9, "minute": 24}
